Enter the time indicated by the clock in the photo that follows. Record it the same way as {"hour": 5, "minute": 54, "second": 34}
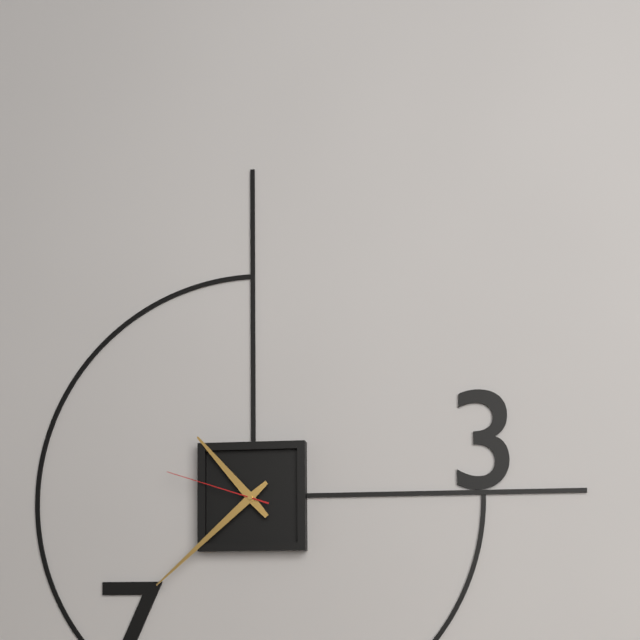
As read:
{"hour": 10, "minute": 38, "second": 48}
